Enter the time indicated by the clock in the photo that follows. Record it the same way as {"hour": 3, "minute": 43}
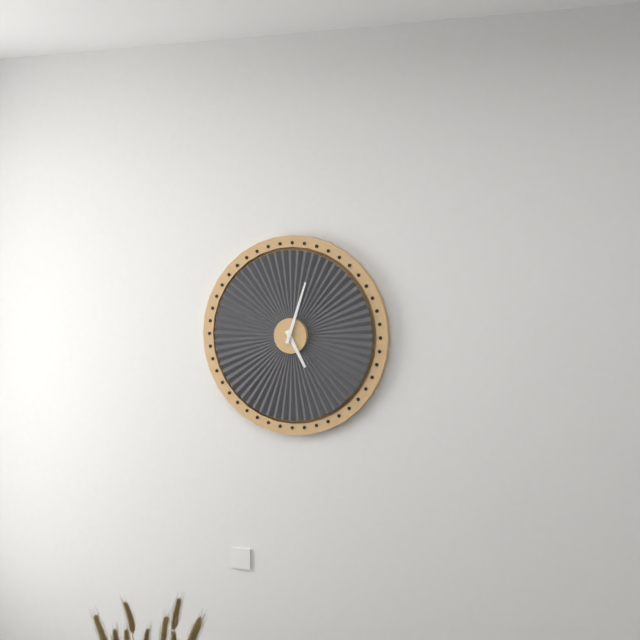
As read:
{"hour": 5, "minute": 3}
